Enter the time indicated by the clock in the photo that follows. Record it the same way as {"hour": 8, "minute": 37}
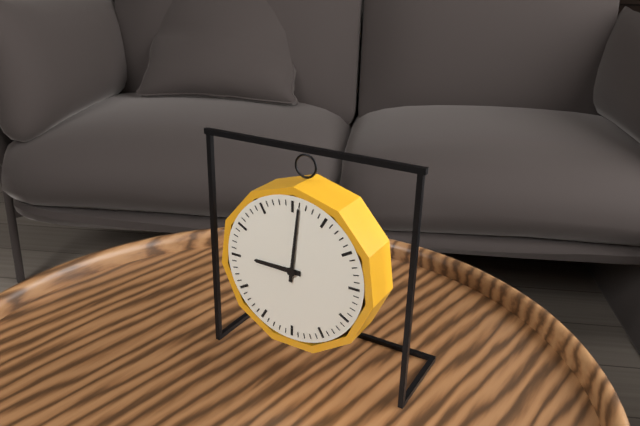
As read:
{"hour": 9, "minute": 1}
